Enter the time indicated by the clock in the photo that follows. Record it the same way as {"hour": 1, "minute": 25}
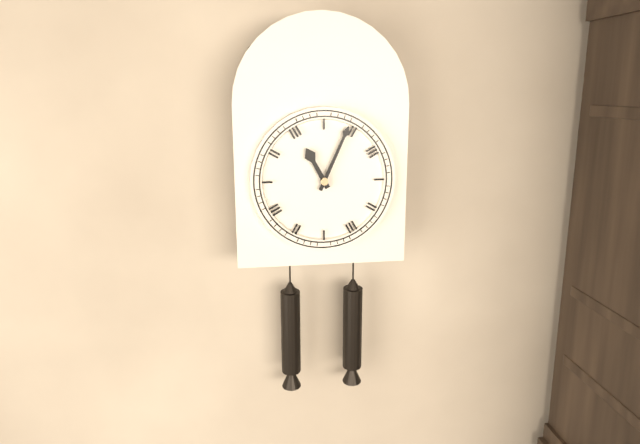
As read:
{"hour": 11, "minute": 4}
